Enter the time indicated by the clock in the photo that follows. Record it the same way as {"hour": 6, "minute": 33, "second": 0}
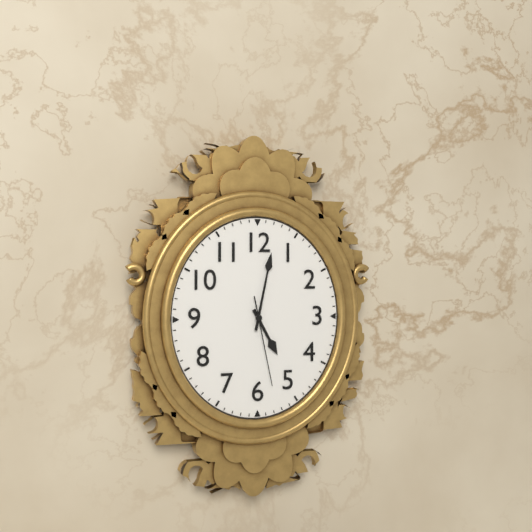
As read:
{"hour": 5, "minute": 2, "second": 28}
